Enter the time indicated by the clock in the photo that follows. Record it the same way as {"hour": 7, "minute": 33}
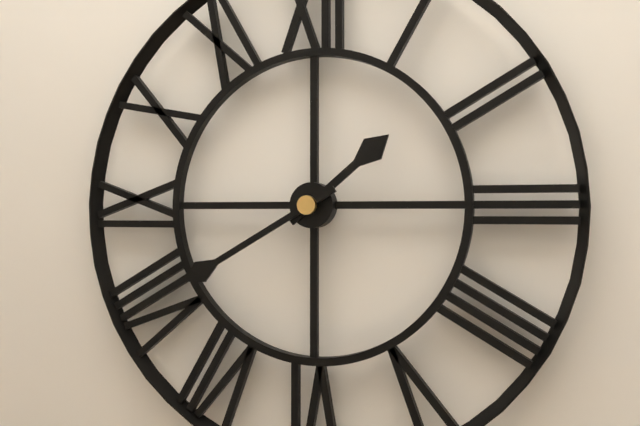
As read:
{"hour": 1, "minute": 40}
